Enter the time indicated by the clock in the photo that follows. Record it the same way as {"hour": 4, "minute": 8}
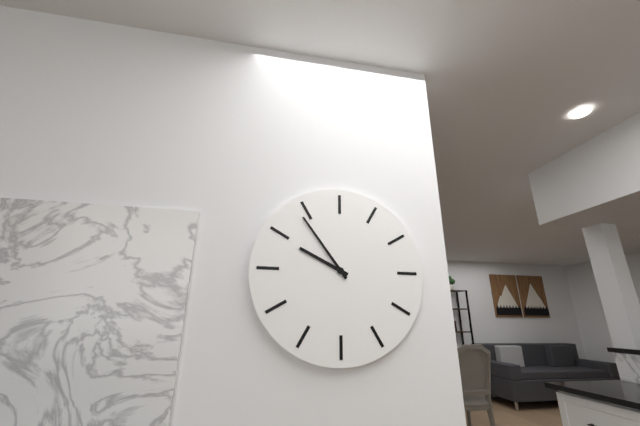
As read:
{"hour": 9, "minute": 54}
